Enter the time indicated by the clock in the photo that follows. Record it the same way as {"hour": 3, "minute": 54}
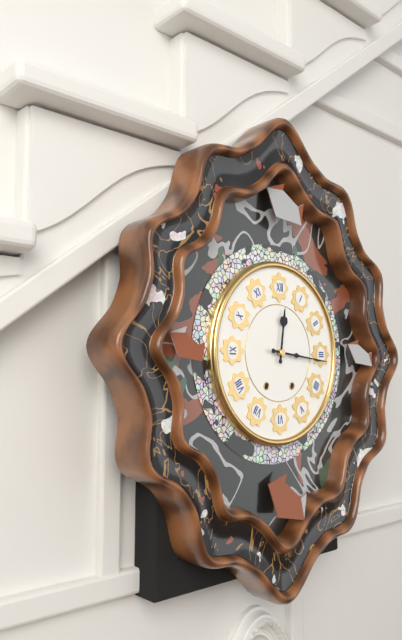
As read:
{"hour": 12, "minute": 16}
